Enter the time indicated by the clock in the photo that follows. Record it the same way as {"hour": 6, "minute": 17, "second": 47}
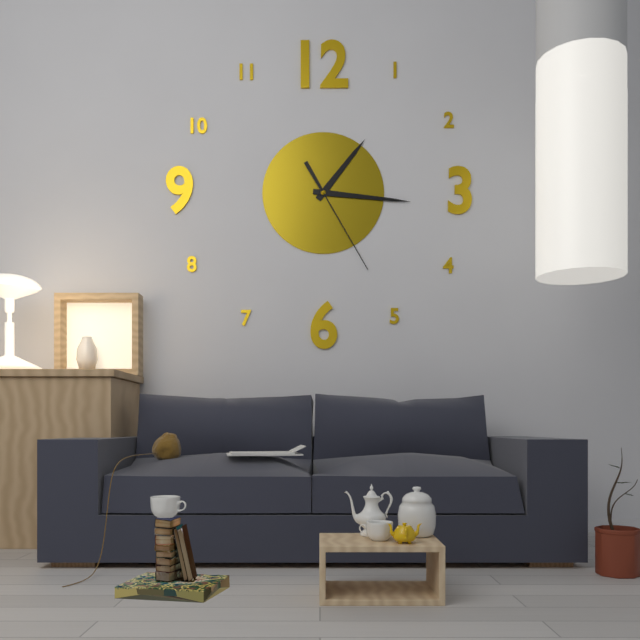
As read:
{"hour": 1, "minute": 16, "second": 25}
